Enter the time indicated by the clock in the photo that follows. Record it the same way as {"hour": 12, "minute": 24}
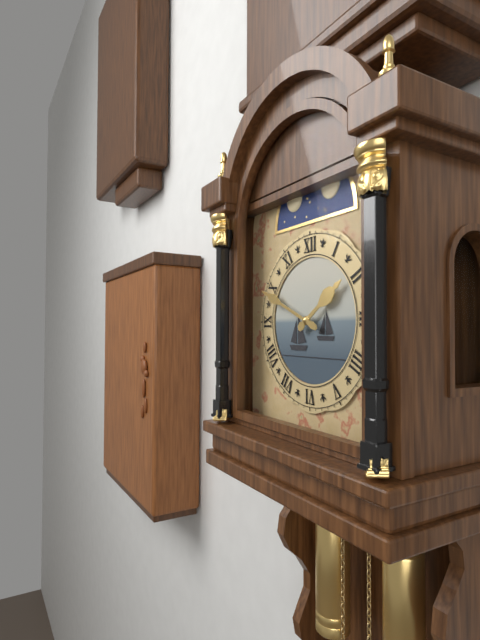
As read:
{"hour": 1, "minute": 49}
